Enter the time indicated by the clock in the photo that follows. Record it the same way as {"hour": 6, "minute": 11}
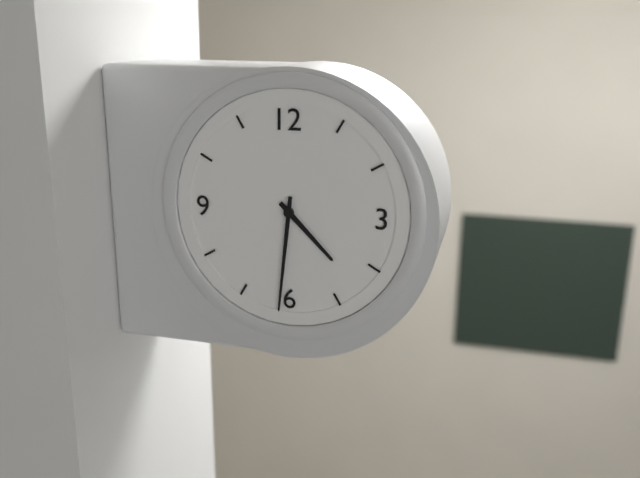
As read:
{"hour": 4, "minute": 31}
